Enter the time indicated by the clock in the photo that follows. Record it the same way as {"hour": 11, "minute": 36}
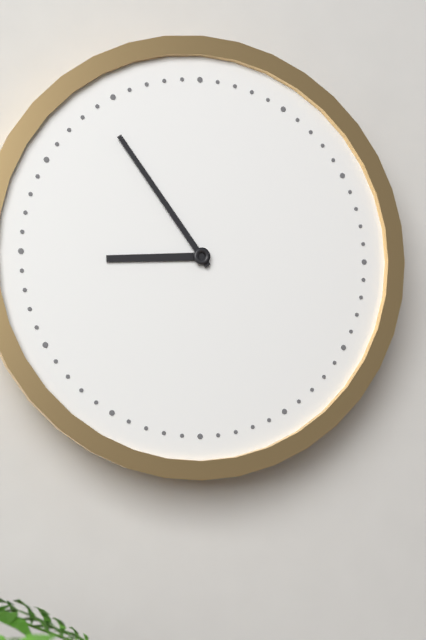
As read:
{"hour": 8, "minute": 54}
